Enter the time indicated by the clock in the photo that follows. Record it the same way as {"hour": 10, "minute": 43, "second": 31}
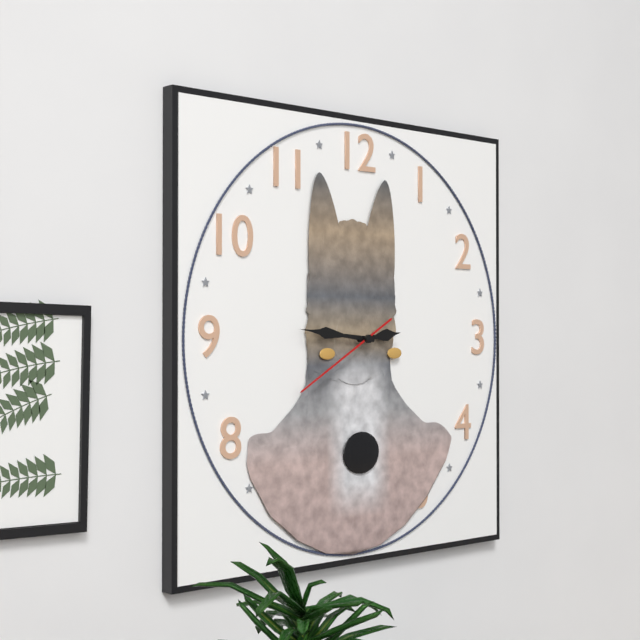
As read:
{"hour": 2, "minute": 46, "second": 40}
